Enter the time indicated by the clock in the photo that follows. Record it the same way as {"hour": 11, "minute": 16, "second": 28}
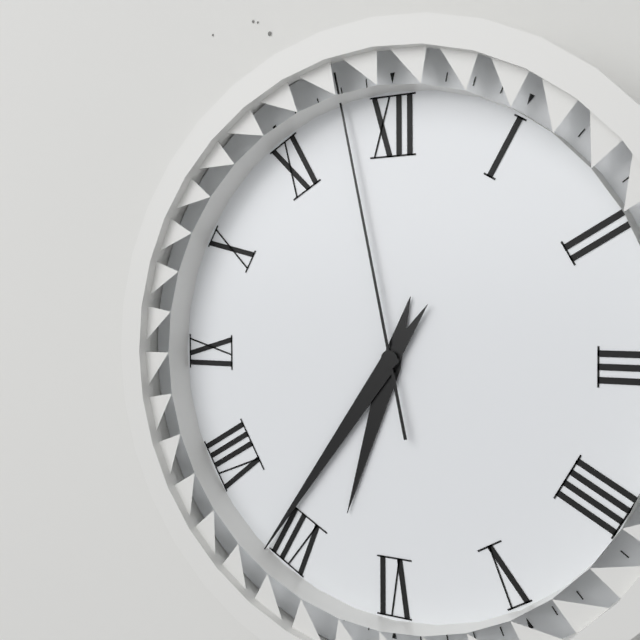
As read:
{"hour": 6, "minute": 36, "second": 58}
